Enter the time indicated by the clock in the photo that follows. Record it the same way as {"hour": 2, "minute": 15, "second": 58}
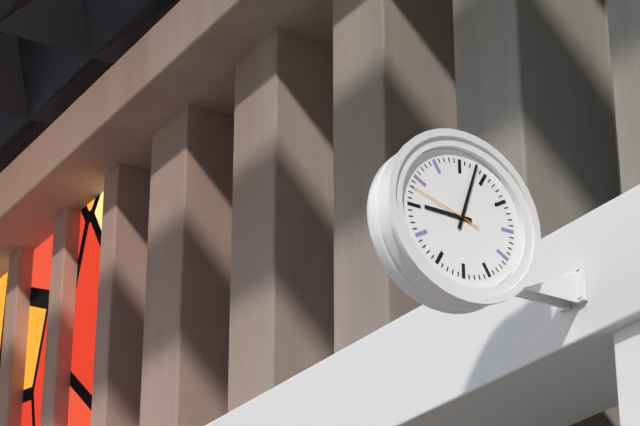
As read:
{"hour": 9, "minute": 3, "second": 48}
